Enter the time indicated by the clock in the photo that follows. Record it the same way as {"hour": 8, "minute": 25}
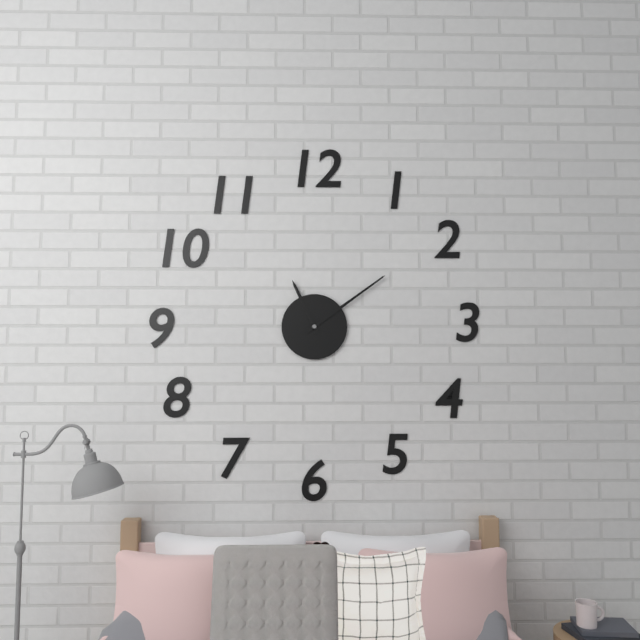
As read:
{"hour": 11, "minute": 9}
